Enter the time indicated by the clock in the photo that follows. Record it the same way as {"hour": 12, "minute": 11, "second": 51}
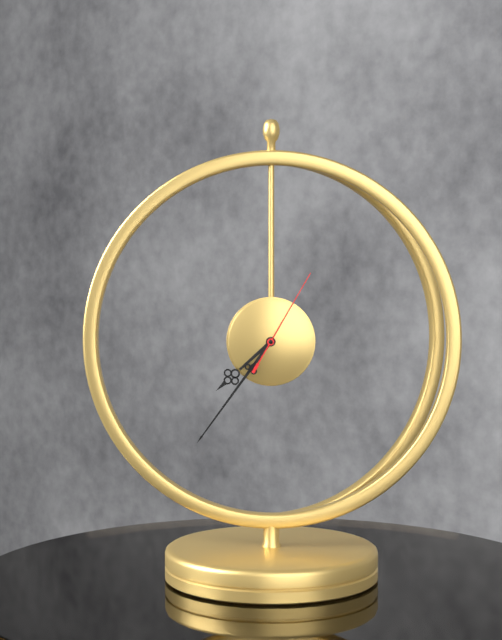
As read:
{"hour": 7, "minute": 36, "second": 5}
